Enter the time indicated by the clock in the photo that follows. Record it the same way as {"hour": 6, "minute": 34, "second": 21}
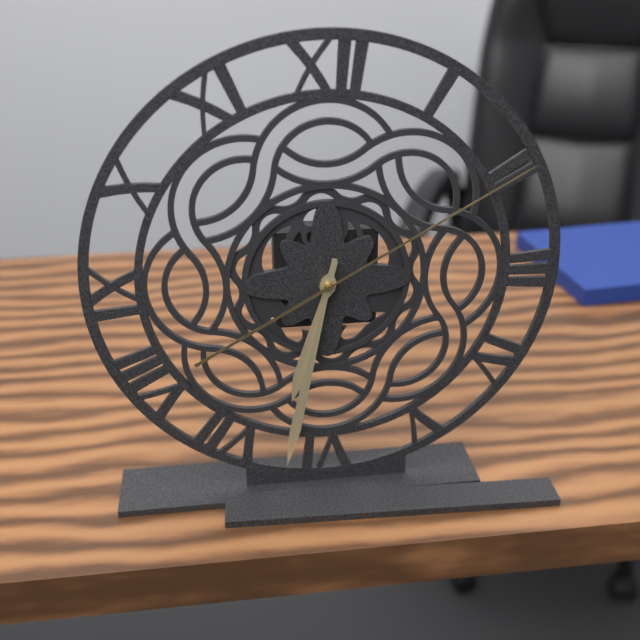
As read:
{"hour": 6, "minute": 32, "second": 10}
